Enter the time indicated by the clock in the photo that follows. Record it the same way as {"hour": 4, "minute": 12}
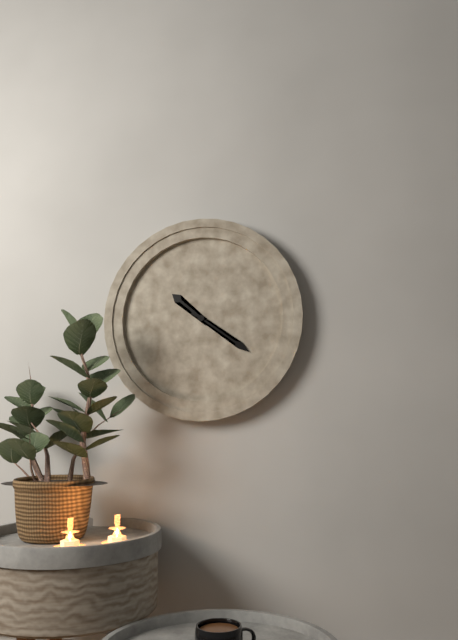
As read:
{"hour": 10, "minute": 21}
